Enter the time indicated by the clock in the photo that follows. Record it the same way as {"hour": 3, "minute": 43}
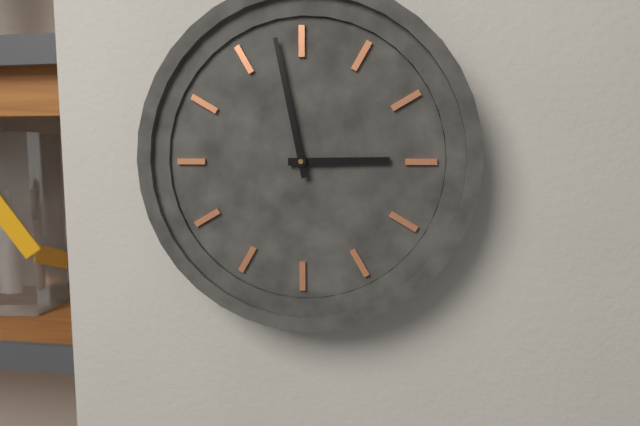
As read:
{"hour": 2, "minute": 58}
